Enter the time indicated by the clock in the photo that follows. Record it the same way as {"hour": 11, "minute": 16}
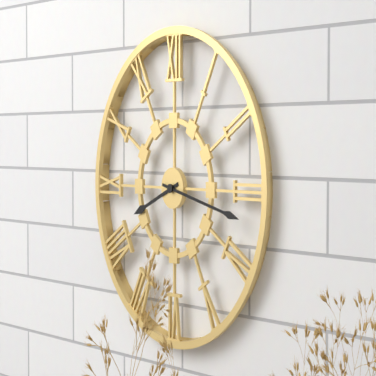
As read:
{"hour": 8, "minute": 17}
